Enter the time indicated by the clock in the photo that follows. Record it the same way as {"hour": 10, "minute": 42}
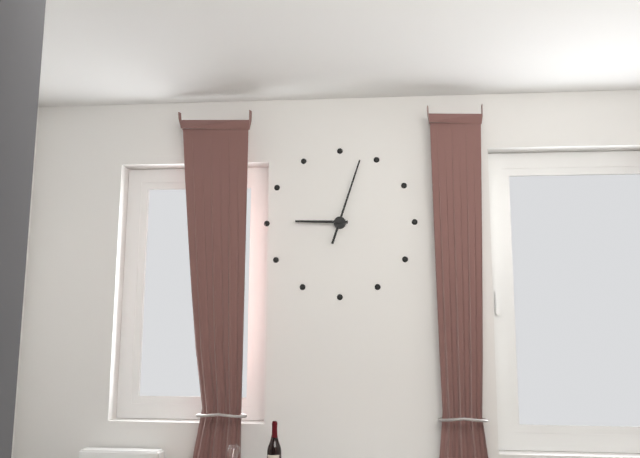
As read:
{"hour": 9, "minute": 3}
